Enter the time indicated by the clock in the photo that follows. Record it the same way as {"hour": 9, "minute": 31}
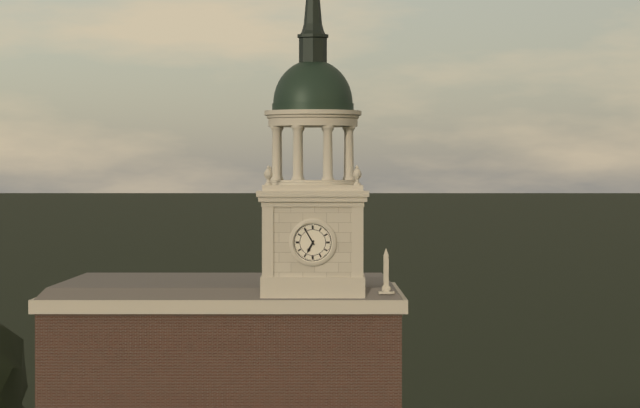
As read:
{"hour": 6, "minute": 55}
